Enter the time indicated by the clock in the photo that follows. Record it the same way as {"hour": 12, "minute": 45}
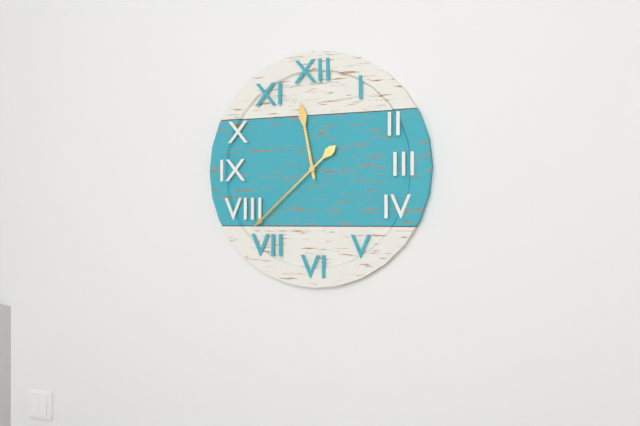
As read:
{"hour": 11, "minute": 38}
